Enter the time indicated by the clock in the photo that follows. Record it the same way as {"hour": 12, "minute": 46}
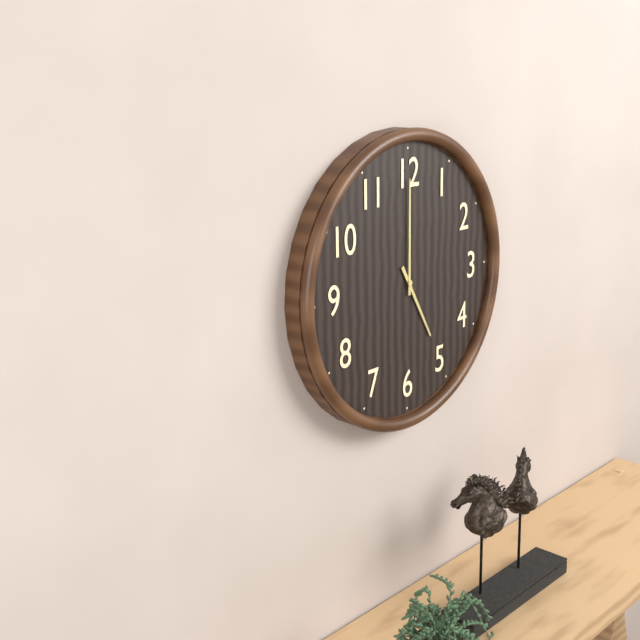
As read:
{"hour": 5, "minute": 0}
